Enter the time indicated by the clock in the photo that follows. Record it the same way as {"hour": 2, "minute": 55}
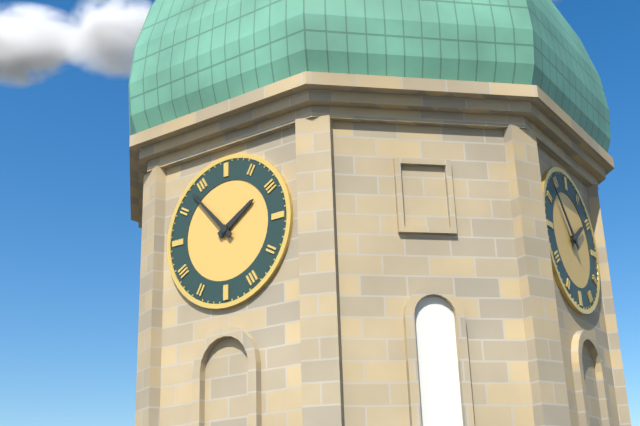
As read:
{"hour": 1, "minute": 53}
